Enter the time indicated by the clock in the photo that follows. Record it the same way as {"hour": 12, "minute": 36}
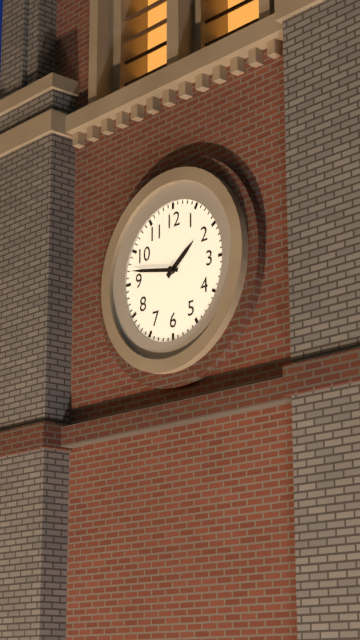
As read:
{"hour": 1, "minute": 47}
